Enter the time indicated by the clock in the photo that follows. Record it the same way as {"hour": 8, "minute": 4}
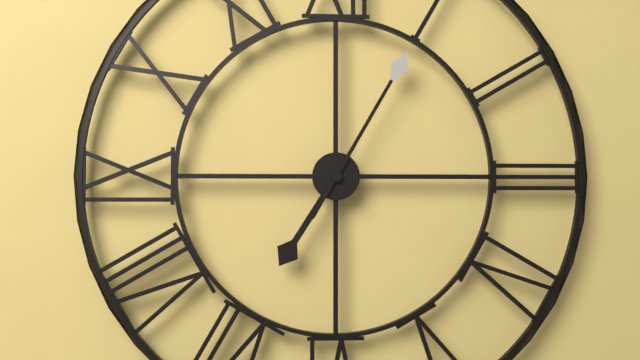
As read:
{"hour": 7, "minute": 5}
